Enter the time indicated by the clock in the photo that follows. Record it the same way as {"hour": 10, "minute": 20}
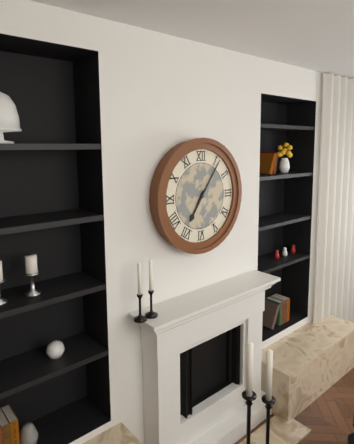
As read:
{"hour": 7, "minute": 6}
